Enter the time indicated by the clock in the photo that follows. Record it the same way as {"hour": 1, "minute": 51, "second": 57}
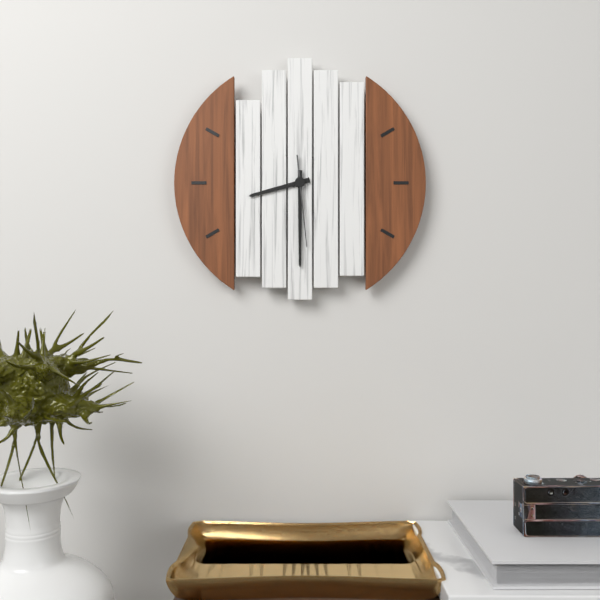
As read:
{"hour": 8, "minute": 30, "second": 29}
